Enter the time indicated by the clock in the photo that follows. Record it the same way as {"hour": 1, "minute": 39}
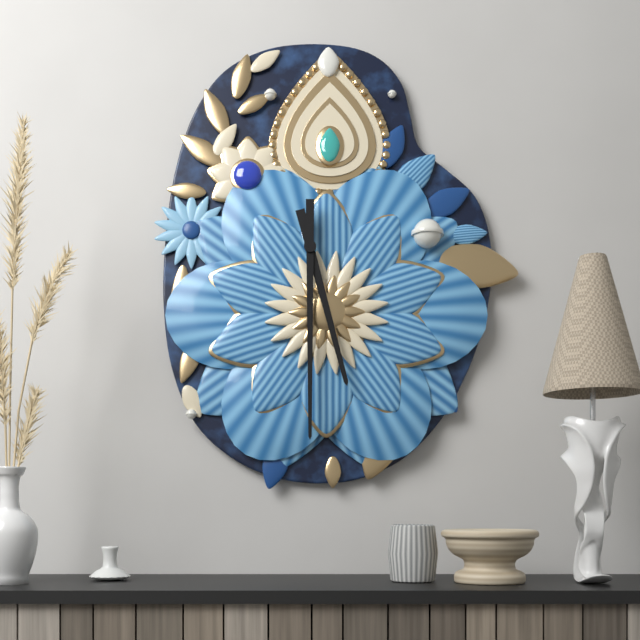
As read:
{"hour": 5, "minute": 30}
